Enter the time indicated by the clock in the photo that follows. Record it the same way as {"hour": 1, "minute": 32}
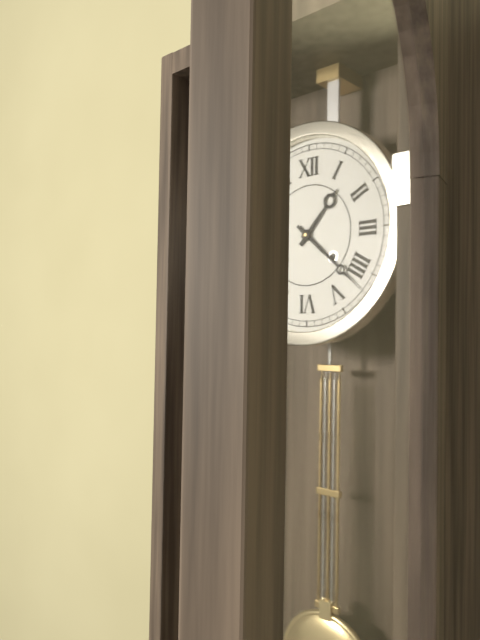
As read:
{"hour": 1, "minute": 22}
